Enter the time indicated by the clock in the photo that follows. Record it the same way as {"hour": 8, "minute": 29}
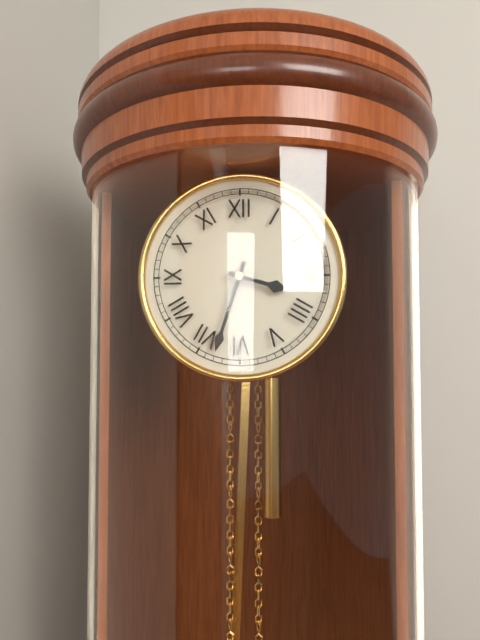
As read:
{"hour": 3, "minute": 33}
